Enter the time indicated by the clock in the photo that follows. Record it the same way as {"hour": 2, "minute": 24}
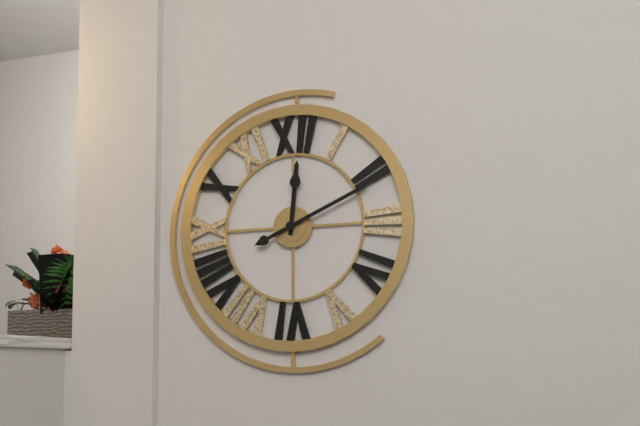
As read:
{"hour": 12, "minute": 11}
